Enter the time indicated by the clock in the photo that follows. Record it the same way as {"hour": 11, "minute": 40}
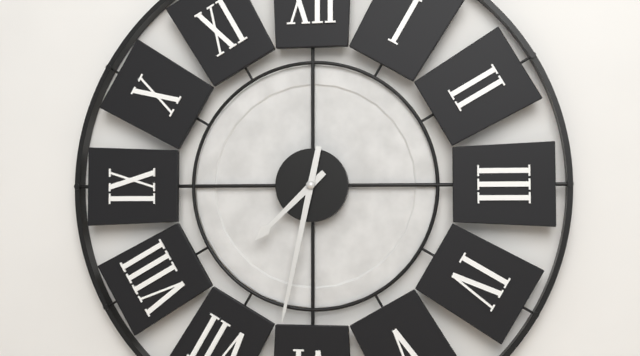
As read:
{"hour": 7, "minute": 32}
